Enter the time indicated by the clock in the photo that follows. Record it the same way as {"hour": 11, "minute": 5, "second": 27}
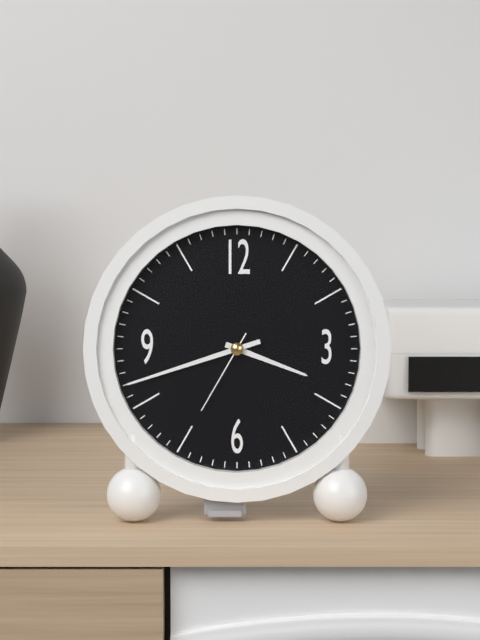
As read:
{"hour": 3, "minute": 42, "second": 35}
